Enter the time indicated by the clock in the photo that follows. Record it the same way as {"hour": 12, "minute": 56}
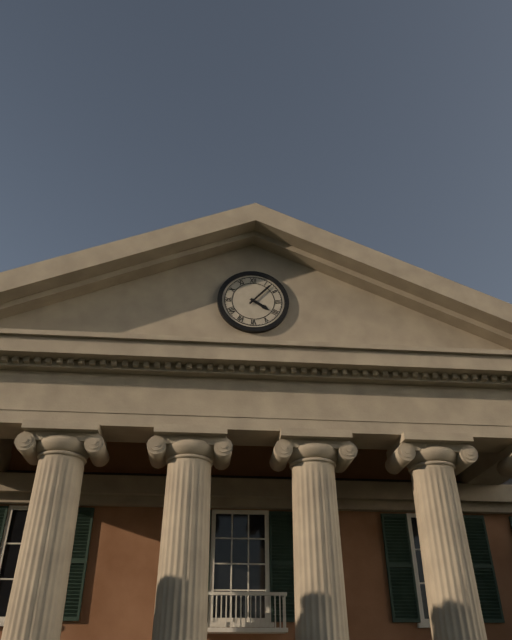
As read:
{"hour": 4, "minute": 7}
